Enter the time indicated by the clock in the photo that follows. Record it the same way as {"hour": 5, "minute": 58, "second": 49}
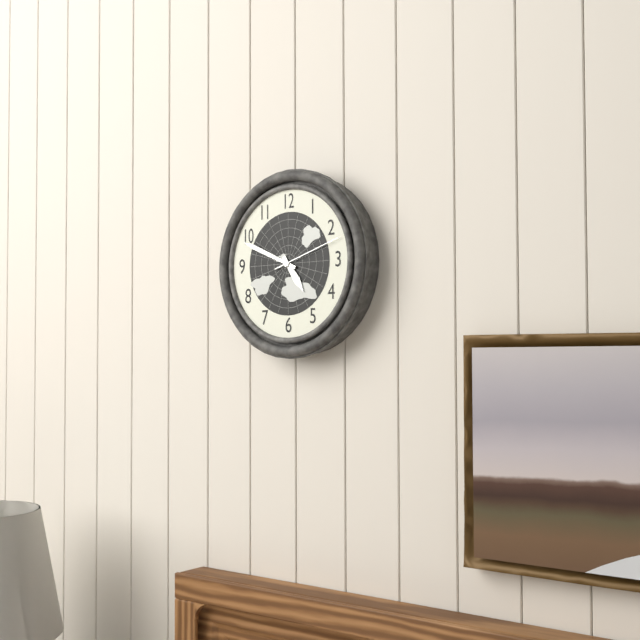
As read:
{"hour": 4, "minute": 49, "second": 12}
